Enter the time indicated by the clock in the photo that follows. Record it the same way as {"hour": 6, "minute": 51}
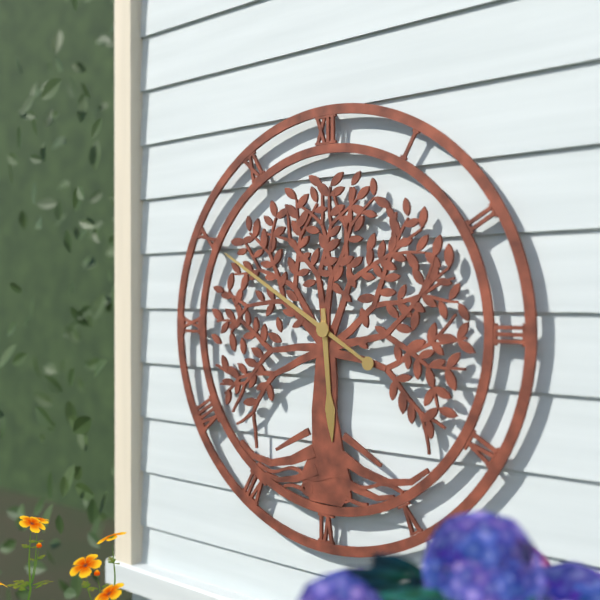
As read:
{"hour": 5, "minute": 50}
